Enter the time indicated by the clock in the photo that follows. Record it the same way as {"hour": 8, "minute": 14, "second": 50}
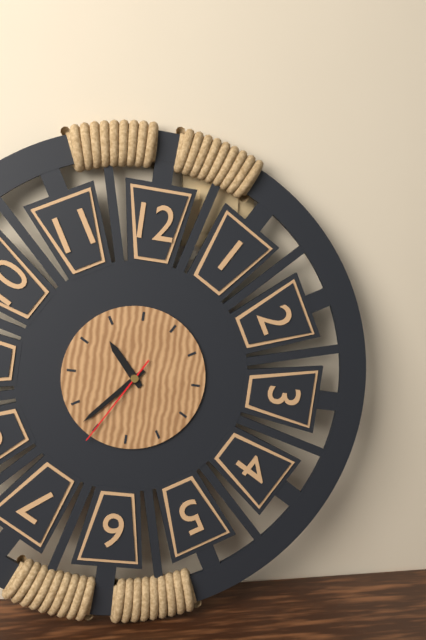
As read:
{"hour": 10, "minute": 37, "second": 35}
